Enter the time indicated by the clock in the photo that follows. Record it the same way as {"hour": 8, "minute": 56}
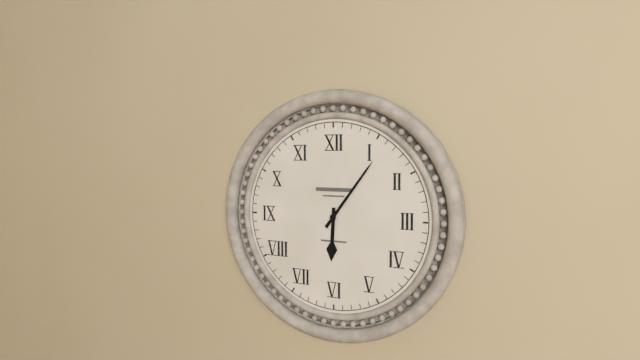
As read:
{"hour": 6, "minute": 6}
